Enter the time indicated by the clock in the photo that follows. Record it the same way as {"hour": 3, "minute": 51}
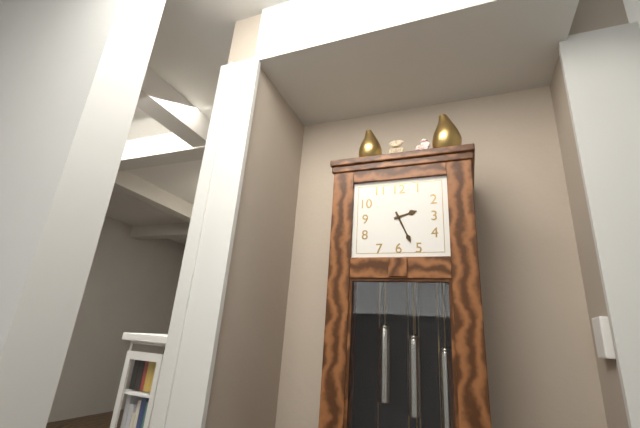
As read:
{"hour": 2, "minute": 26}
